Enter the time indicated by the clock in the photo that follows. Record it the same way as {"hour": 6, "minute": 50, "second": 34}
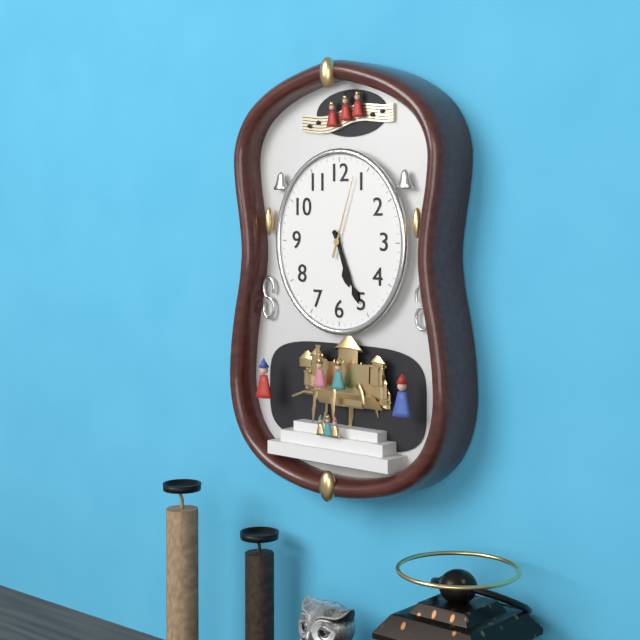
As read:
{"hour": 5, "minute": 26, "second": 3}
